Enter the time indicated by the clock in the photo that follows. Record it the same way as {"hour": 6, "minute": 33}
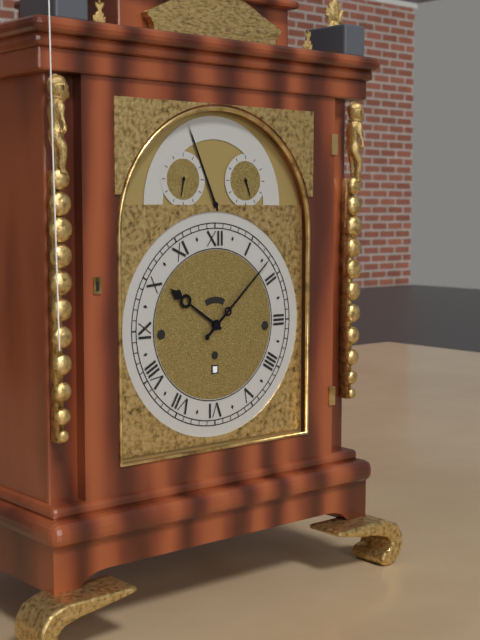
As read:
{"hour": 10, "minute": 8}
